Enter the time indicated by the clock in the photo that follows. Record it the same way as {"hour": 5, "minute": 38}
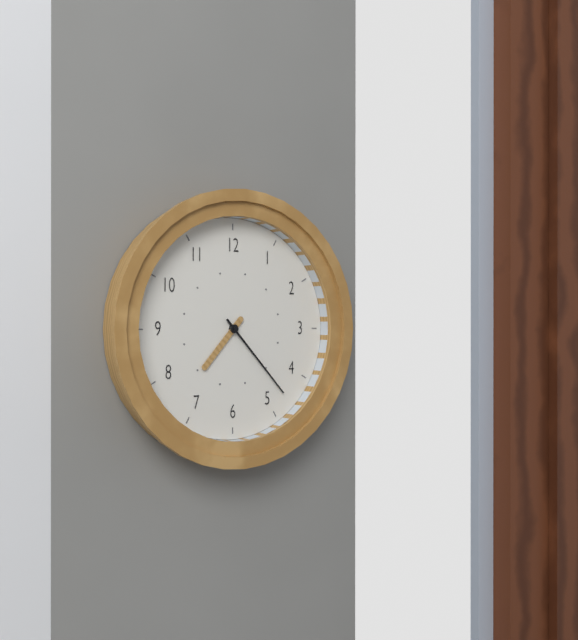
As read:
{"hour": 7, "minute": 23}
